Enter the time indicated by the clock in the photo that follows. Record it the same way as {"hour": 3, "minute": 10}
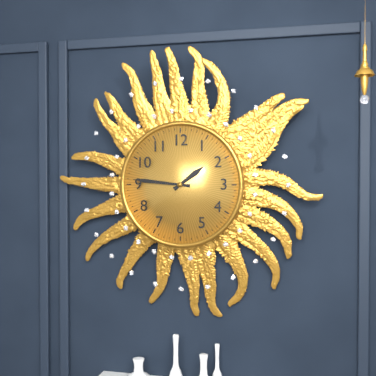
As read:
{"hour": 1, "minute": 46}
